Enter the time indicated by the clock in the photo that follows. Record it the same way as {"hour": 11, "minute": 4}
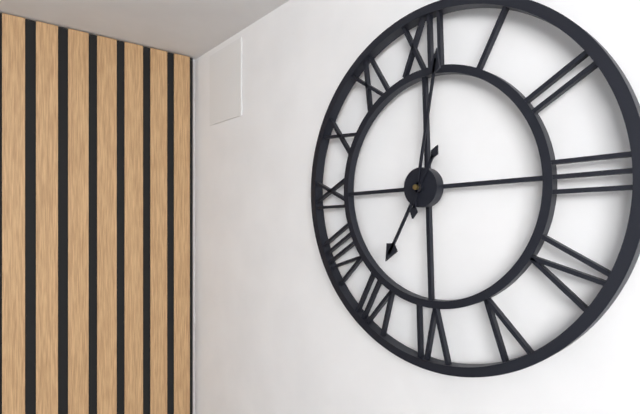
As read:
{"hour": 7, "minute": 2}
